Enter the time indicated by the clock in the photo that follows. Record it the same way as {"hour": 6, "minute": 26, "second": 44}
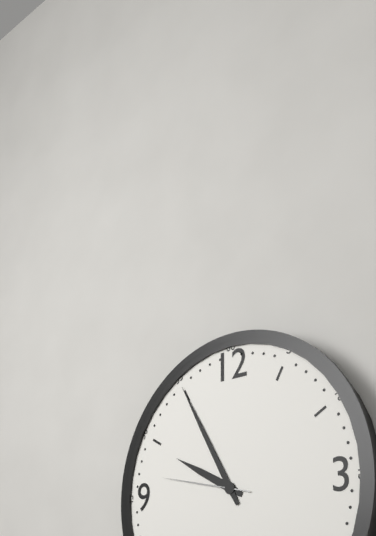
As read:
{"hour": 9, "minute": 55, "second": 47}
